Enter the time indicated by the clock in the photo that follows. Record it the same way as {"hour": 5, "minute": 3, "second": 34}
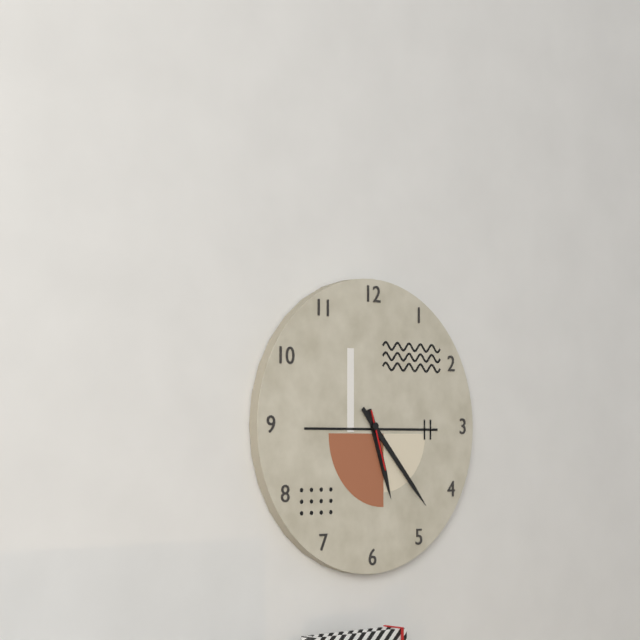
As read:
{"hour": 5, "minute": 23, "second": 27}
